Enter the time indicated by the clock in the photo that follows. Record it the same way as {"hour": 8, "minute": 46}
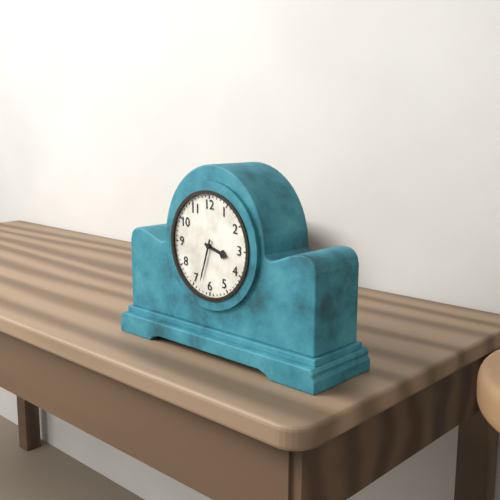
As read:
{"hour": 3, "minute": 33}
